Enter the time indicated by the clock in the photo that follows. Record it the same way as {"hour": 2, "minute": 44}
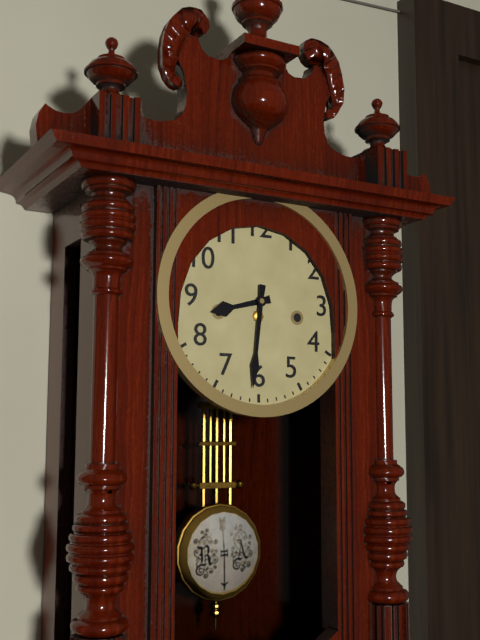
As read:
{"hour": 8, "minute": 31}
